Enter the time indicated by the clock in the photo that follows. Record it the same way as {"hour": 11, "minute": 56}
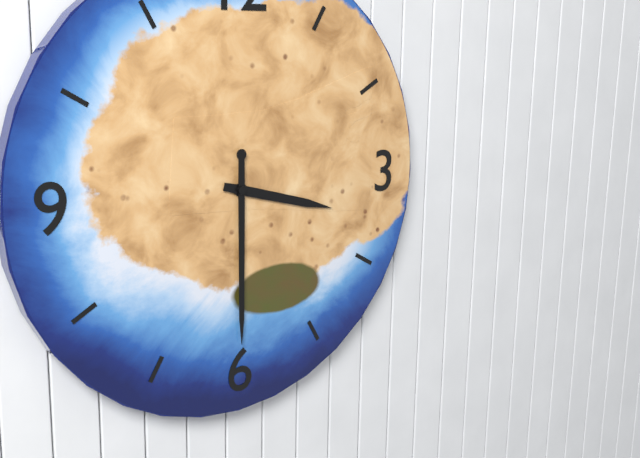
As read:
{"hour": 3, "minute": 30}
